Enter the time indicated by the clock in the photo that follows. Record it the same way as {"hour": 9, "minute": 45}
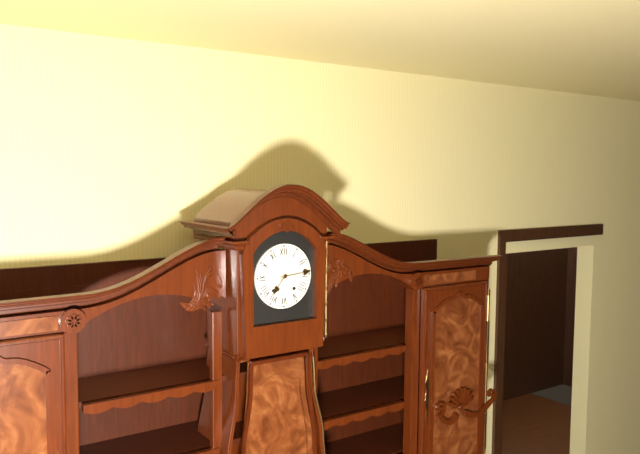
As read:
{"hour": 7, "minute": 14}
